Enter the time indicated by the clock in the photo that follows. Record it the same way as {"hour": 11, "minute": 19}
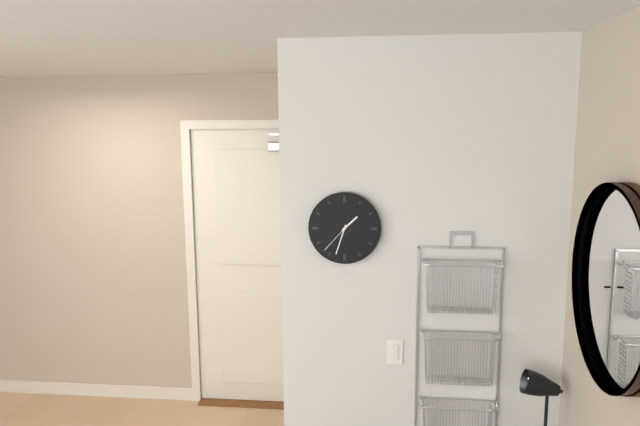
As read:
{"hour": 1, "minute": 33}
